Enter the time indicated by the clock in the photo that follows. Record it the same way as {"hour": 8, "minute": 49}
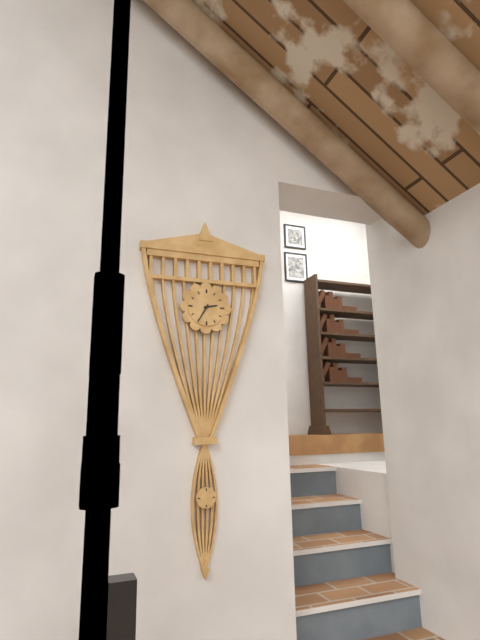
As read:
{"hour": 2, "minute": 35}
